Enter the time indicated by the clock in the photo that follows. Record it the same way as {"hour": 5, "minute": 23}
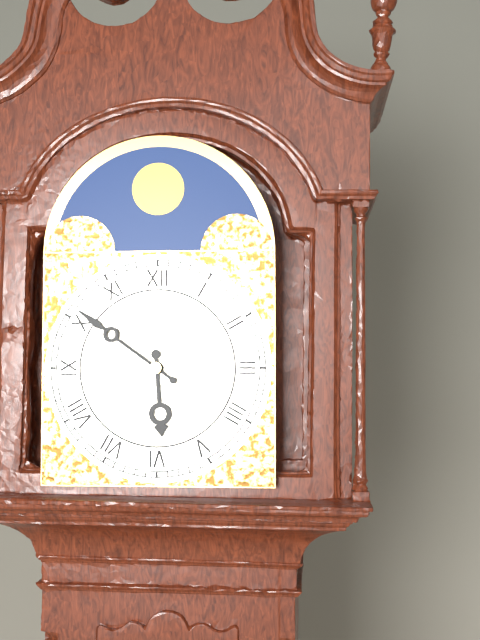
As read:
{"hour": 5, "minute": 51}
